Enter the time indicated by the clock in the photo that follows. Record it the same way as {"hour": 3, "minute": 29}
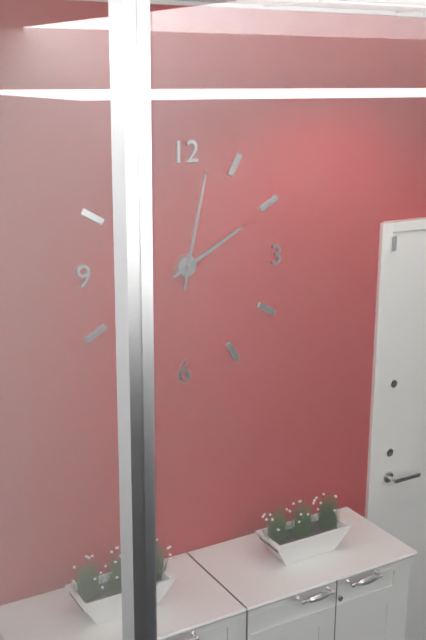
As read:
{"hour": 2, "minute": 2}
